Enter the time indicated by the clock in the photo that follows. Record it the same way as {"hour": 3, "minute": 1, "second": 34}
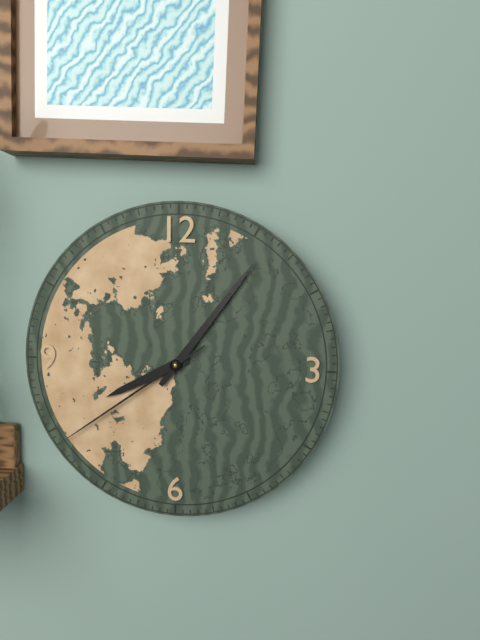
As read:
{"hour": 8, "minute": 6, "second": 39}
